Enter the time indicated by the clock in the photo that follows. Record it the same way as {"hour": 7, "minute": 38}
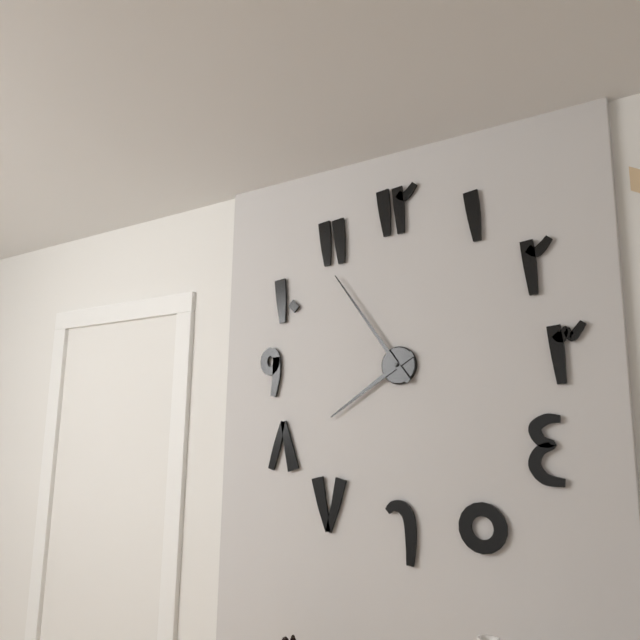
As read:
{"hour": 7, "minute": 54}
